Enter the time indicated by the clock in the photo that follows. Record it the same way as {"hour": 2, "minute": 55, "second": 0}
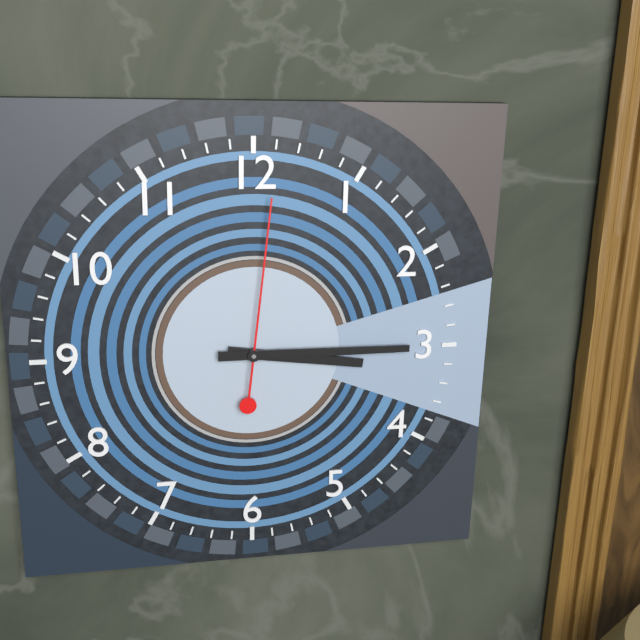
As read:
{"hour": 3, "minute": 15, "second": 1}
